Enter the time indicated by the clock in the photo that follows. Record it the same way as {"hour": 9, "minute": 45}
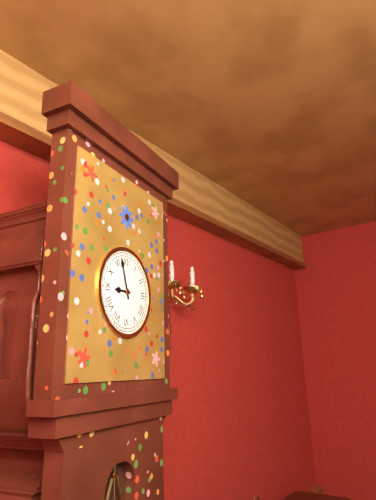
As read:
{"hour": 8, "minute": 57}
